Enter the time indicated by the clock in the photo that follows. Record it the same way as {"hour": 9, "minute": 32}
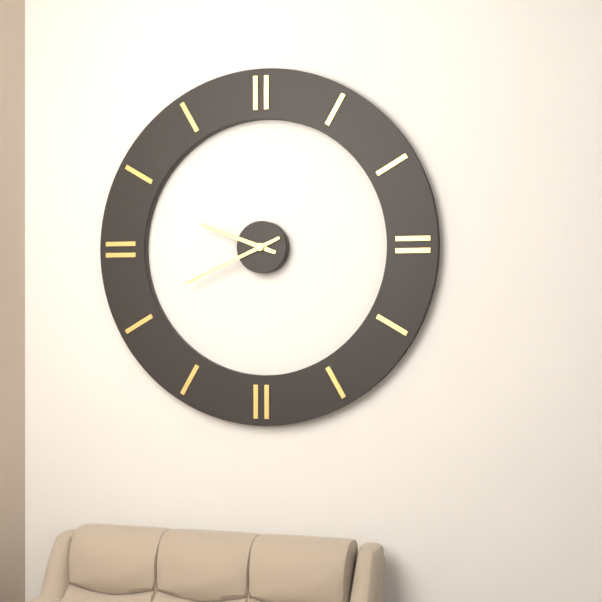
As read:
{"hour": 9, "minute": 41}
